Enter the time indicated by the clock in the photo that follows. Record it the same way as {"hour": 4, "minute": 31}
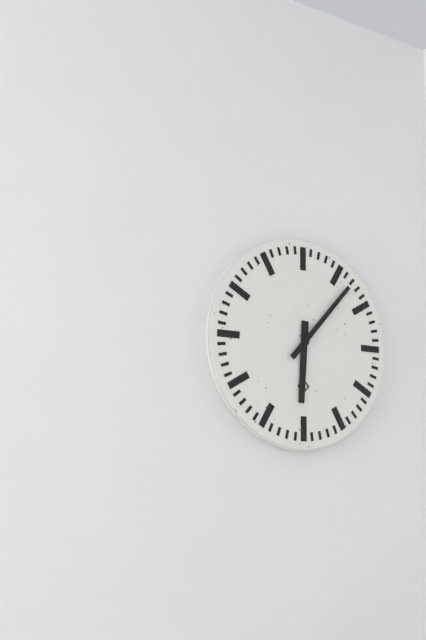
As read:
{"hour": 6, "minute": 7}
